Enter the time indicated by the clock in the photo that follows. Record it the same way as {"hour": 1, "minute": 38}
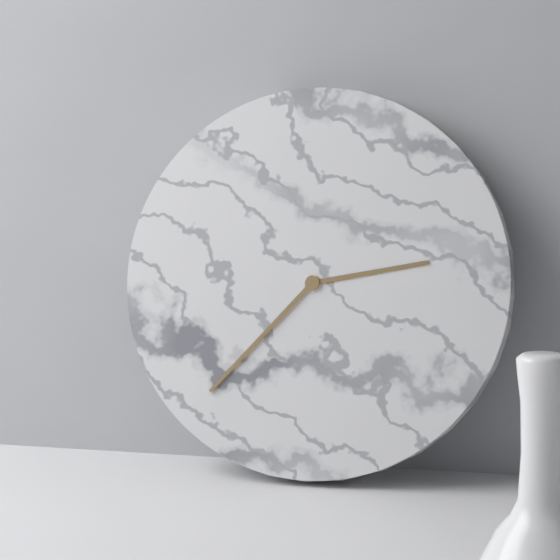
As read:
{"hour": 2, "minute": 37}
